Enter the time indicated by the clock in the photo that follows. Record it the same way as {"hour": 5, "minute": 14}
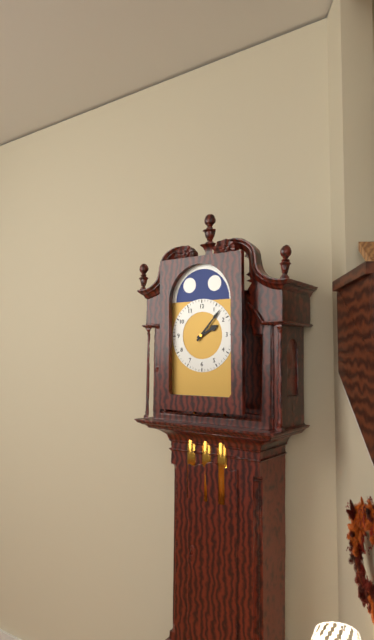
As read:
{"hour": 2, "minute": 7}
